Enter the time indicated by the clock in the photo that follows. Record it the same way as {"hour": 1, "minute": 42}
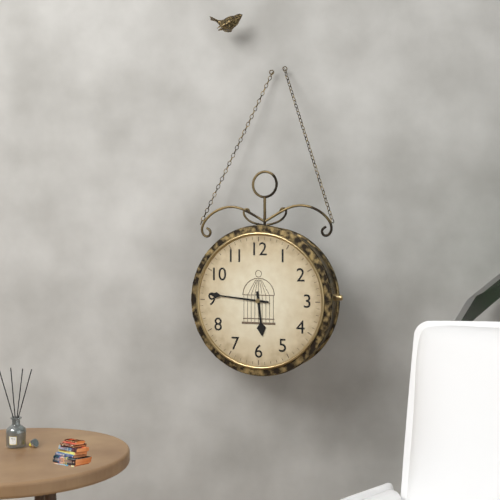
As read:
{"hour": 5, "minute": 46}
